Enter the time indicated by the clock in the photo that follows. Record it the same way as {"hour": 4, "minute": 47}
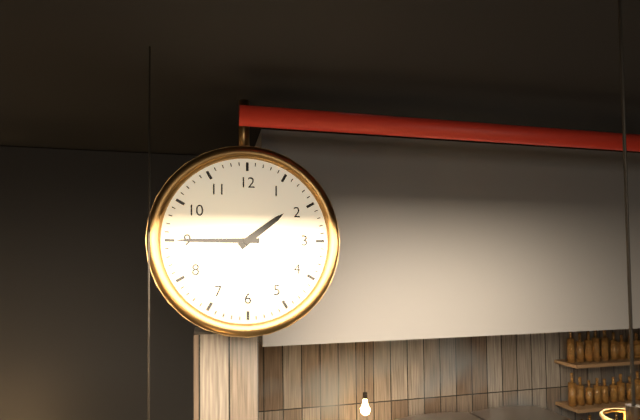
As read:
{"hour": 1, "minute": 45}
